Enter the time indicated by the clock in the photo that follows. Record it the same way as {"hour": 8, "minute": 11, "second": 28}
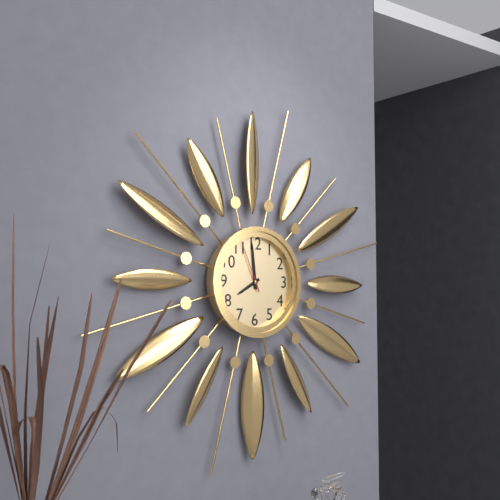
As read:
{"hour": 7, "minute": 59, "second": 56}
